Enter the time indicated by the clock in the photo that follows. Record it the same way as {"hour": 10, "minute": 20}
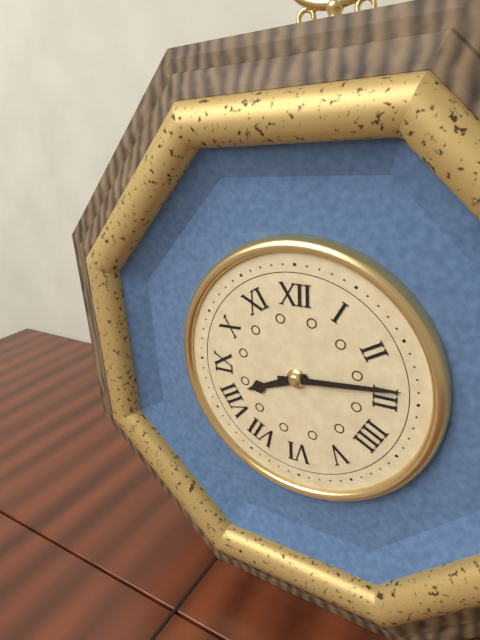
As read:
{"hour": 8, "minute": 14}
